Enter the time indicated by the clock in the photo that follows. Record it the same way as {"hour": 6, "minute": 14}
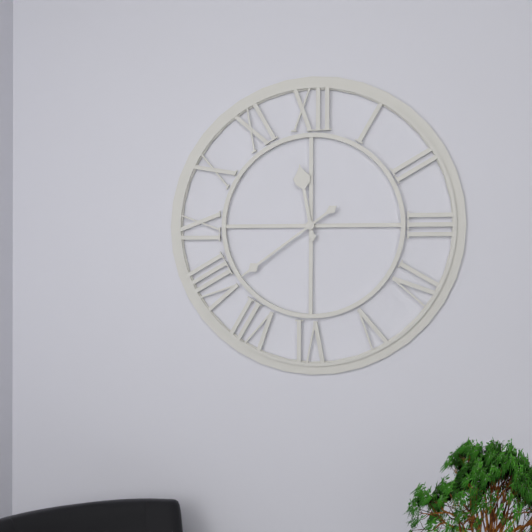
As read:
{"hour": 11, "minute": 39}
